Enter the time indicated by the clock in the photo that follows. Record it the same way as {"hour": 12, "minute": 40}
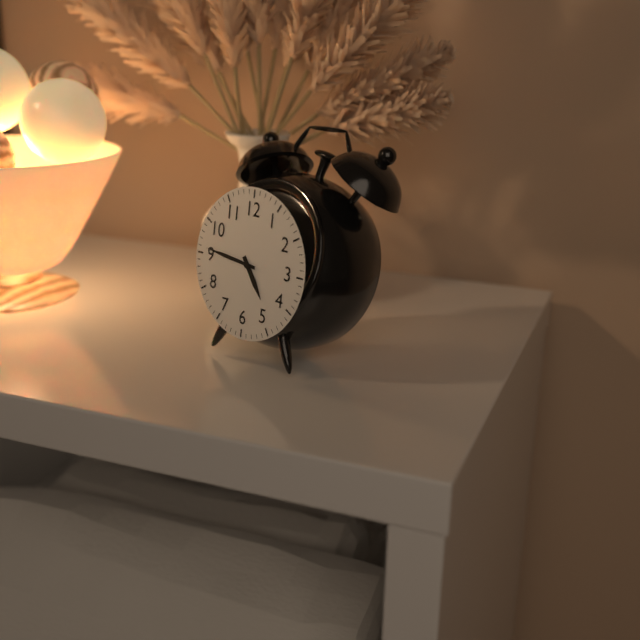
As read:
{"hour": 4, "minute": 46}
